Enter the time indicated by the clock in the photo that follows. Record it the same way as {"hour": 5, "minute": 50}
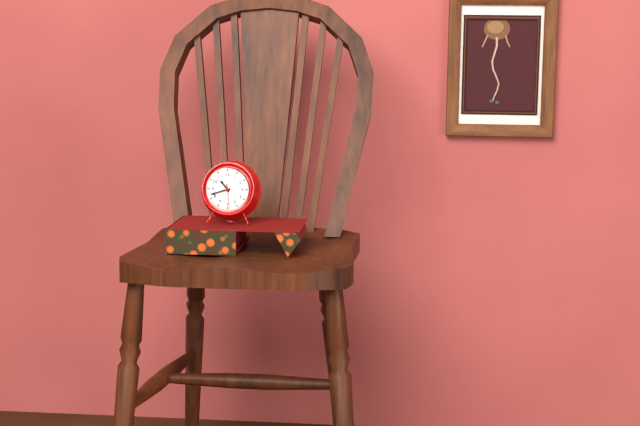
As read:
{"hour": 10, "minute": 42}
